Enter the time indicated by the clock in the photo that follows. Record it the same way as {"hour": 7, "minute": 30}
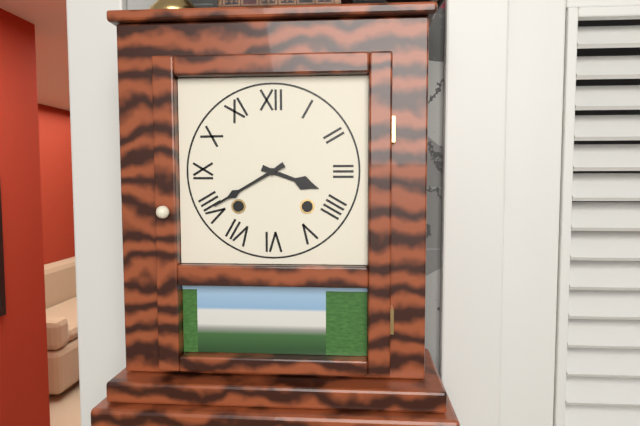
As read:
{"hour": 3, "minute": 40}
